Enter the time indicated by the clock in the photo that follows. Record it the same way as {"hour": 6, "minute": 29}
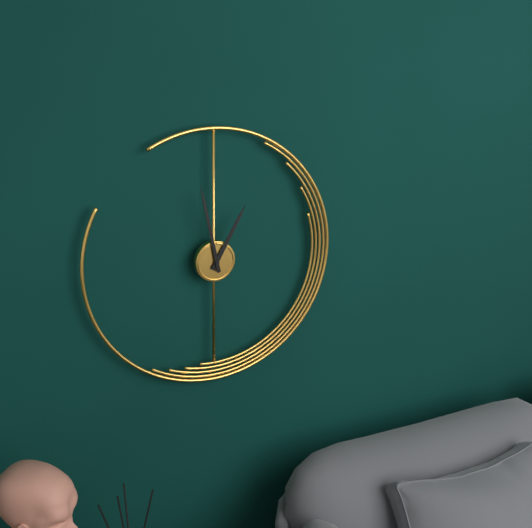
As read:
{"hour": 12, "minute": 58}
